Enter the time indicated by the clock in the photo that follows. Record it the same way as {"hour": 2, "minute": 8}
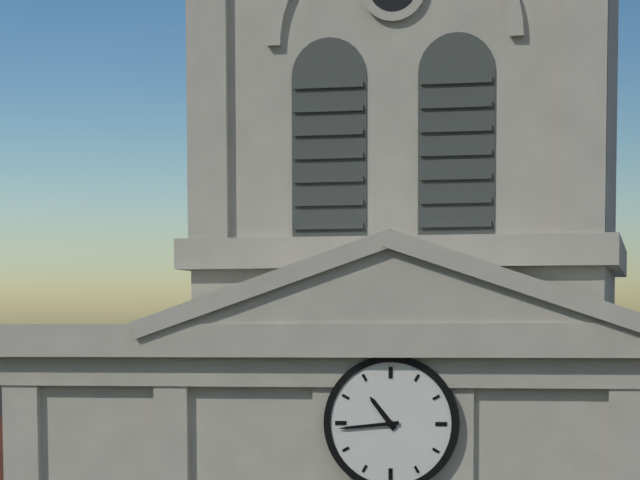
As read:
{"hour": 10, "minute": 44}
